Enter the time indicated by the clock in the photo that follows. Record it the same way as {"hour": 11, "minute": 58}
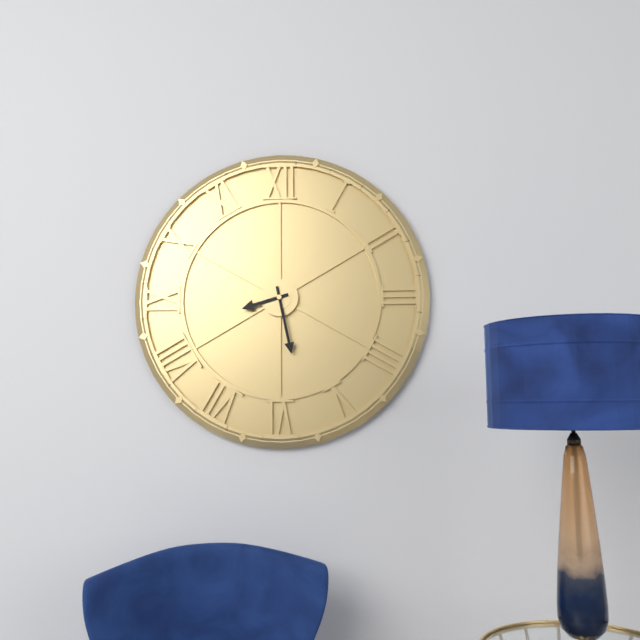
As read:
{"hour": 8, "minute": 28}
